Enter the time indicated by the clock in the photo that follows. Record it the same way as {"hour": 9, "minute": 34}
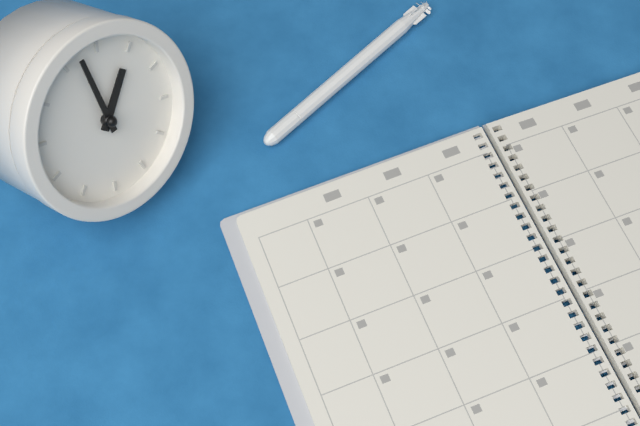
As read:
{"hour": 12, "minute": 57}
